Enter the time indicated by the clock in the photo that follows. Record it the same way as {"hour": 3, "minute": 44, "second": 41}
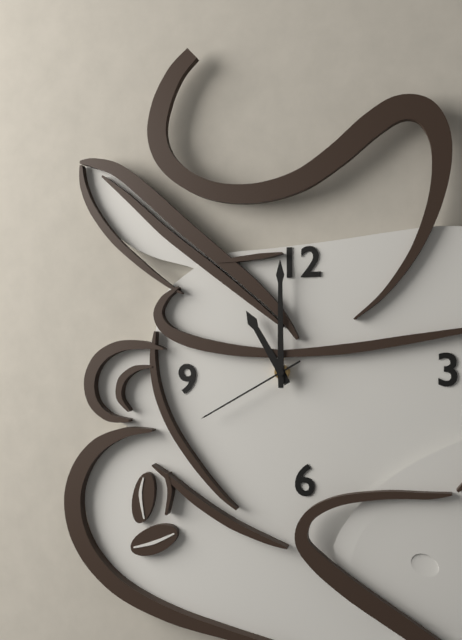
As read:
{"hour": 11, "minute": 0, "second": 40}
